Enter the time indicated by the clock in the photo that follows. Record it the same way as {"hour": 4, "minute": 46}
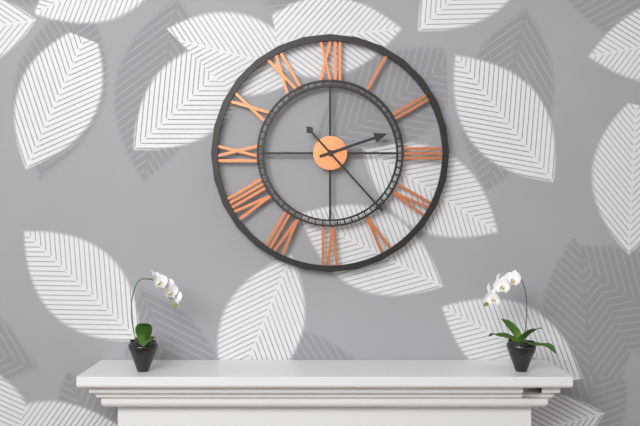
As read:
{"hour": 2, "minute": 23}
